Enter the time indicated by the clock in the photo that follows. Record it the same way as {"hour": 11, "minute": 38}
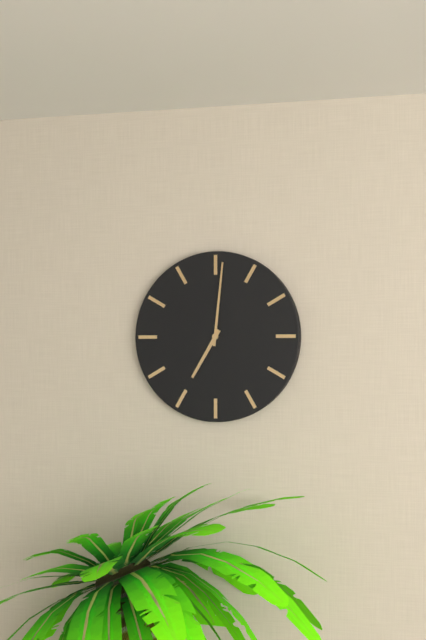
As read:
{"hour": 7, "minute": 1}
